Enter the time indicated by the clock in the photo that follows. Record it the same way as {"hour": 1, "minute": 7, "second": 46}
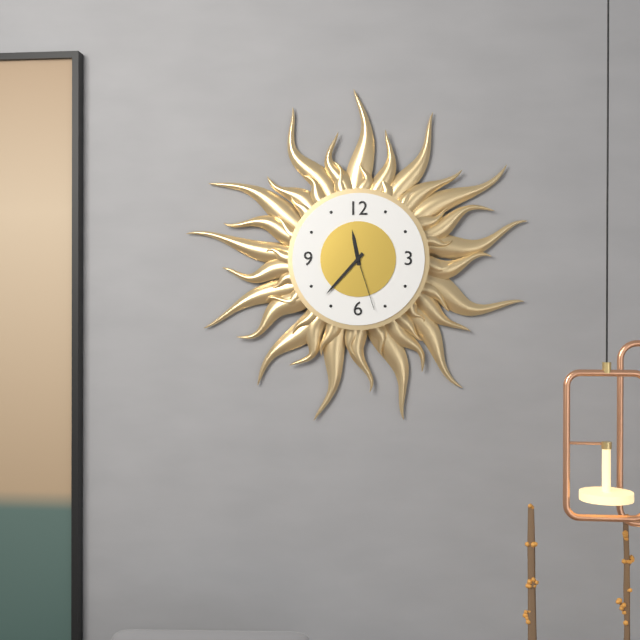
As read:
{"hour": 11, "minute": 37, "second": 27}
